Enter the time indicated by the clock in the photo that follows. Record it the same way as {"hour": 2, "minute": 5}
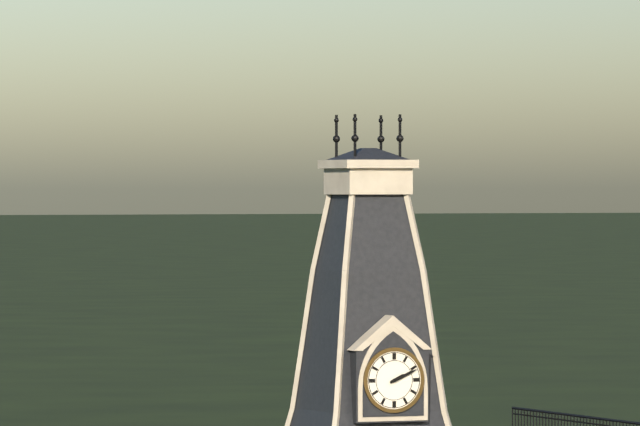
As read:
{"hour": 2, "minute": 11}
